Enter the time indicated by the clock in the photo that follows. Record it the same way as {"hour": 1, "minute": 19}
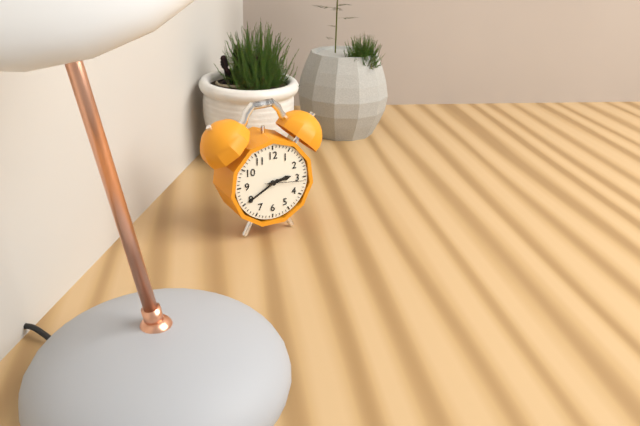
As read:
{"hour": 2, "minute": 40}
